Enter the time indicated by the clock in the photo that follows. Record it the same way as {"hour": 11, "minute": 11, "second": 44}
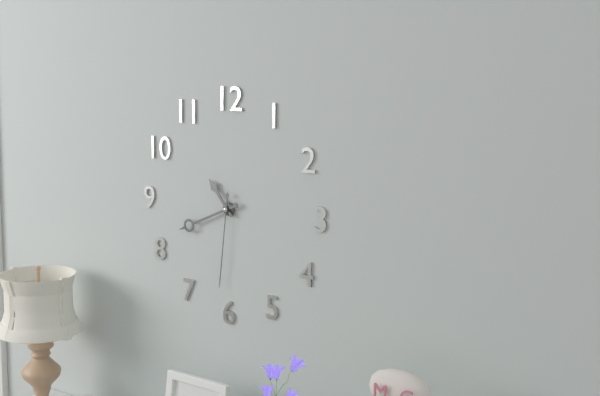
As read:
{"hour": 10, "minute": 41, "second": 31}
